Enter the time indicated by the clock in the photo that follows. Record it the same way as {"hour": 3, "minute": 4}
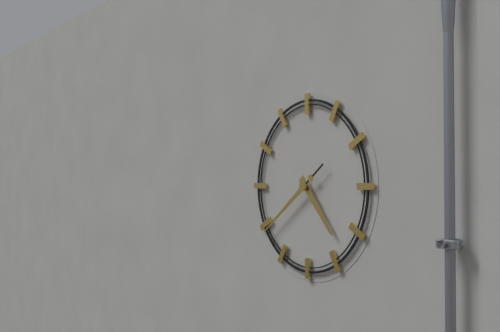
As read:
{"hour": 4, "minute": 39}
